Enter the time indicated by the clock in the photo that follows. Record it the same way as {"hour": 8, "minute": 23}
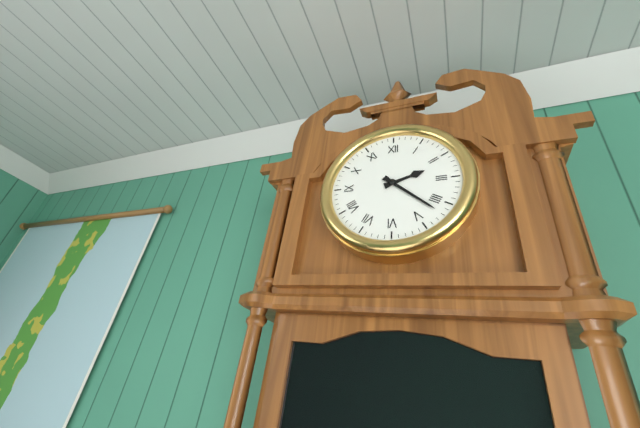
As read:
{"hour": 2, "minute": 22}
